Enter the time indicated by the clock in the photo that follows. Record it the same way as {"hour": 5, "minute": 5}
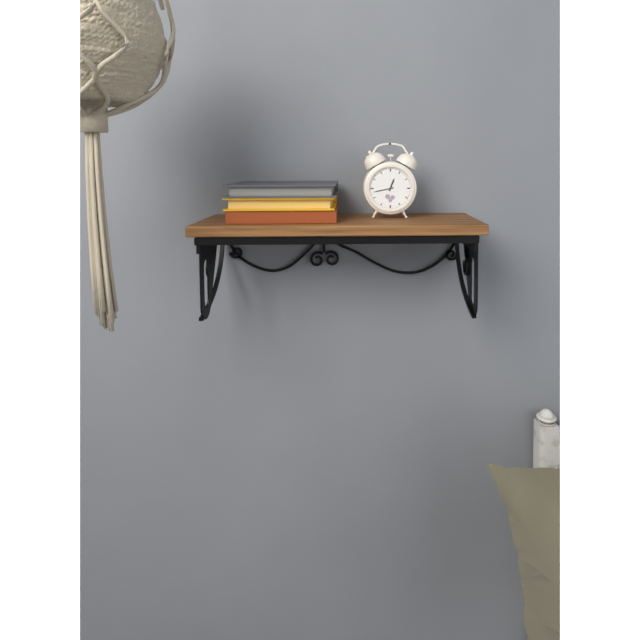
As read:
{"hour": 12, "minute": 43}
